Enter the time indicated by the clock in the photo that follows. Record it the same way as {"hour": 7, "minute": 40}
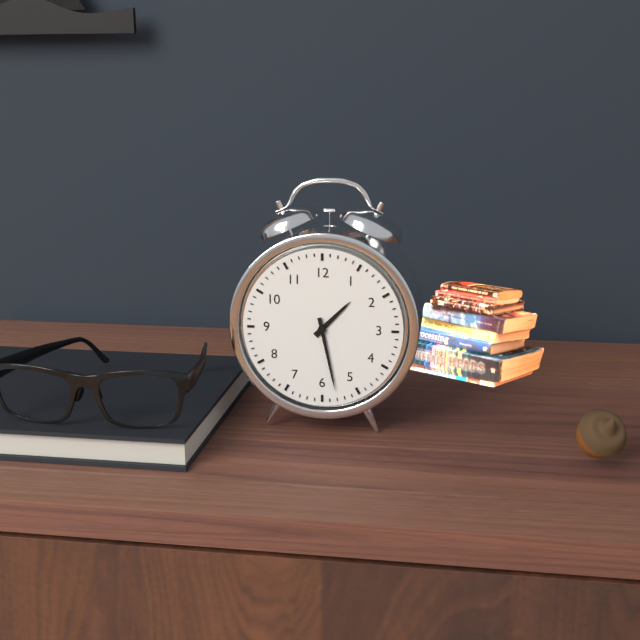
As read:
{"hour": 1, "minute": 28}
